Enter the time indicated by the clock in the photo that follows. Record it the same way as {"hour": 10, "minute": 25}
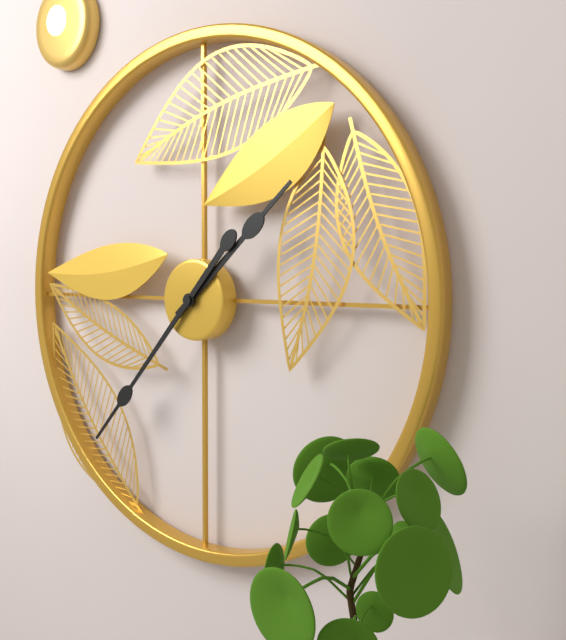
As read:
{"hour": 1, "minute": 37}
